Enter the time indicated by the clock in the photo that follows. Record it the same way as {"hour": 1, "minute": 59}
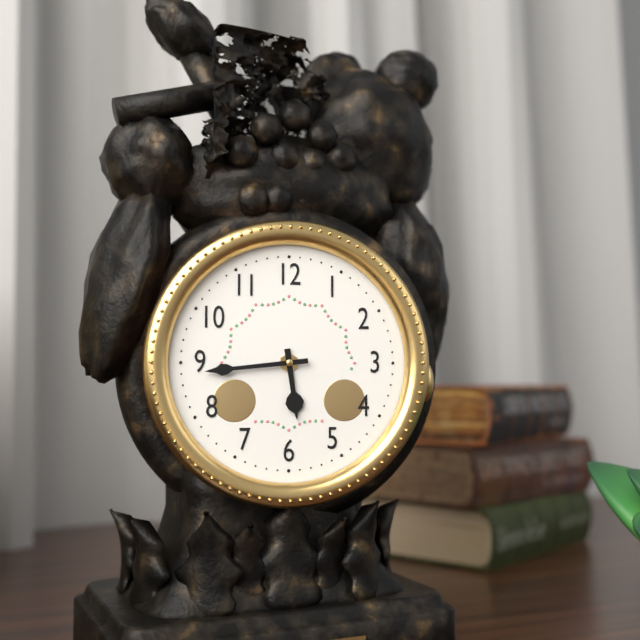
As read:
{"hour": 5, "minute": 44}
